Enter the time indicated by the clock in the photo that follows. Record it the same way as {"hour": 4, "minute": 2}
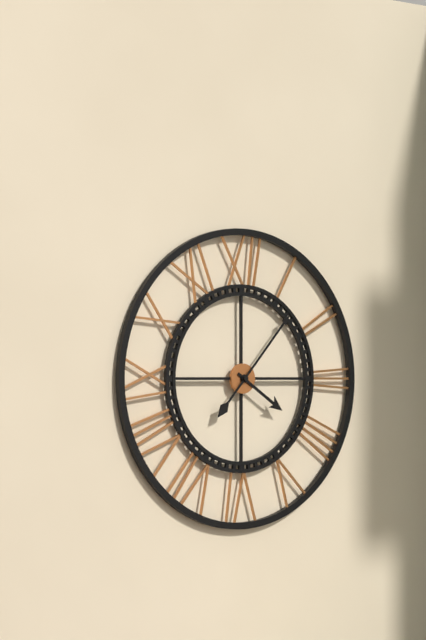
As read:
{"hour": 4, "minute": 7}
